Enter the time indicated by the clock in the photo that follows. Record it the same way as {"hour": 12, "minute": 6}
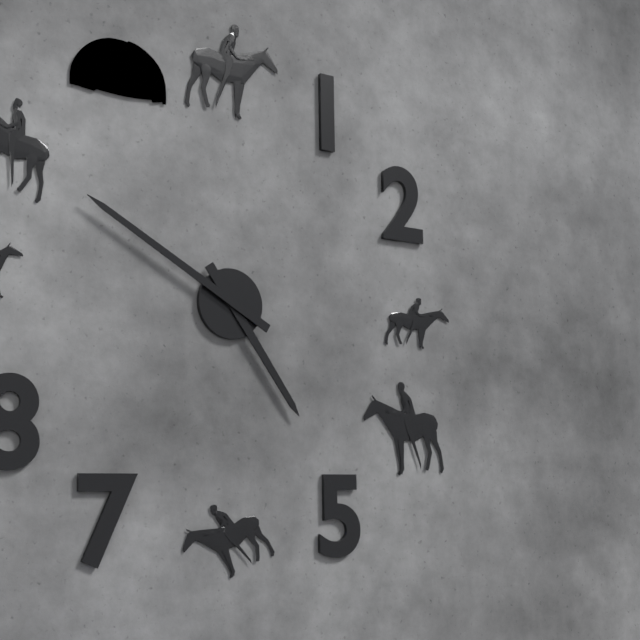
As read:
{"hour": 4, "minute": 50}
